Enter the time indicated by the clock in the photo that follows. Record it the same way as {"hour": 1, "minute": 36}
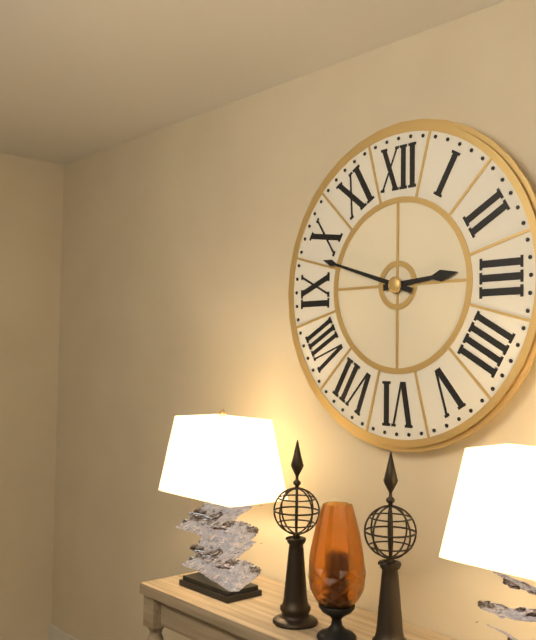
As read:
{"hour": 2, "minute": 48}
